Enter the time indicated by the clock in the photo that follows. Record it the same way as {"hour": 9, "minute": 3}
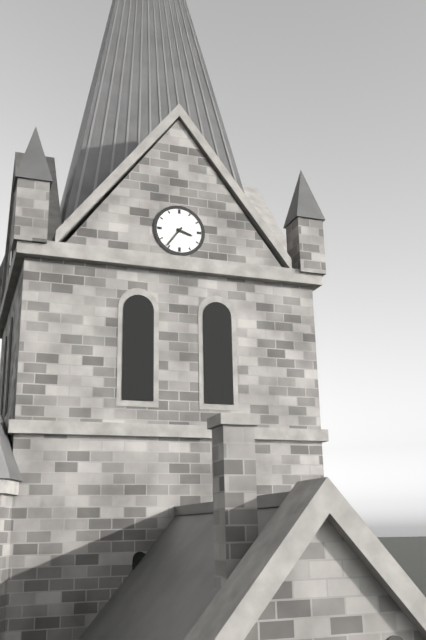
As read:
{"hour": 3, "minute": 36}
